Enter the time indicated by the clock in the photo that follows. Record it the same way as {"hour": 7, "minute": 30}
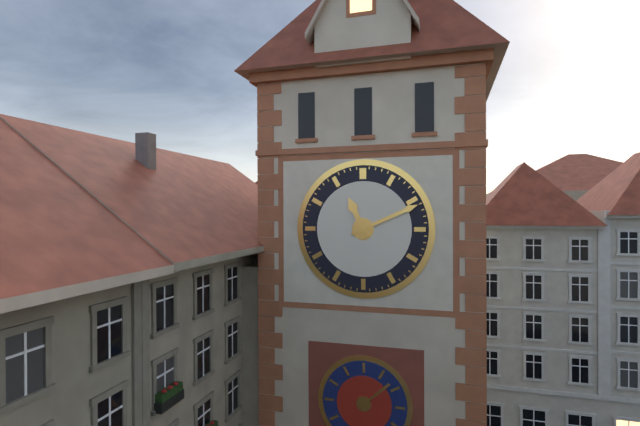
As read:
{"hour": 11, "minute": 11}
